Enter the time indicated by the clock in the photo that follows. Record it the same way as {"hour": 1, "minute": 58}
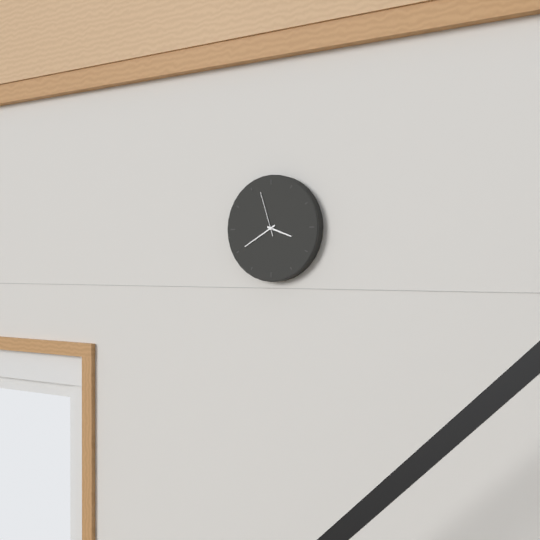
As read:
{"hour": 3, "minute": 40}
